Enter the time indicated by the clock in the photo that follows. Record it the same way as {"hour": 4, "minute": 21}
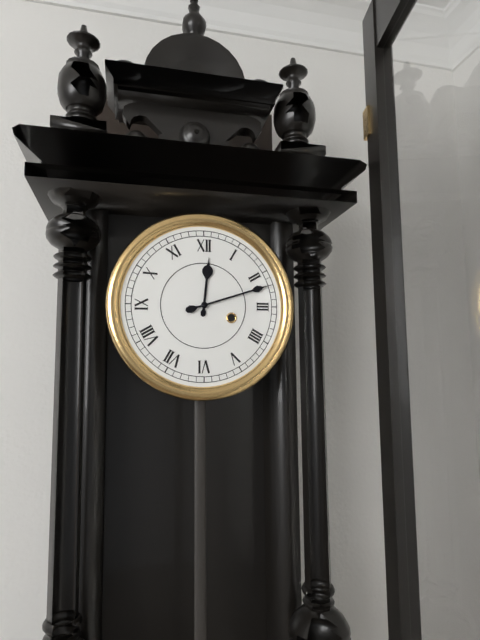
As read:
{"hour": 12, "minute": 12}
